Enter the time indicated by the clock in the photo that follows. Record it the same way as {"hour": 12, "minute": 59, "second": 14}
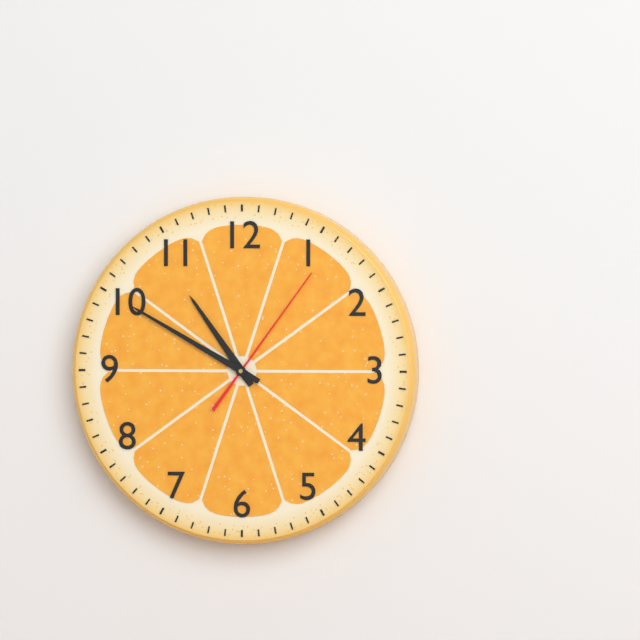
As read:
{"hour": 10, "minute": 50, "second": 6}
